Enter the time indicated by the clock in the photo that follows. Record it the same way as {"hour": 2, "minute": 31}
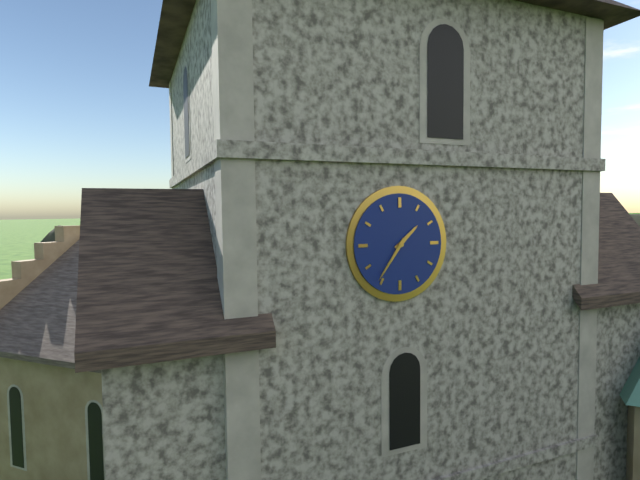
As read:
{"hour": 1, "minute": 36}
